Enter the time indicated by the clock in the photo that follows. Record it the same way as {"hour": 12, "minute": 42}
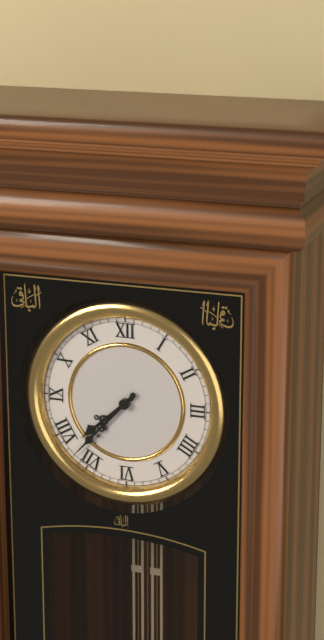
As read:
{"hour": 7, "minute": 37}
